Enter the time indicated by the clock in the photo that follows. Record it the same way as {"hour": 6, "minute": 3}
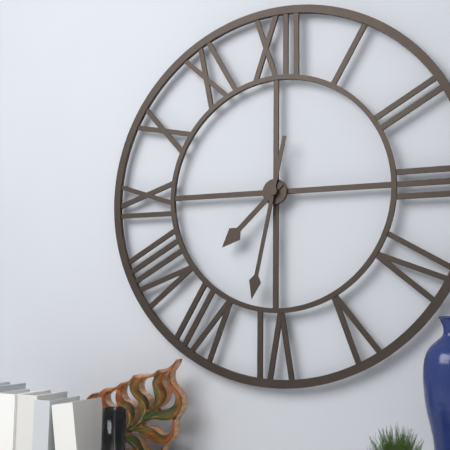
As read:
{"hour": 7, "minute": 32}
